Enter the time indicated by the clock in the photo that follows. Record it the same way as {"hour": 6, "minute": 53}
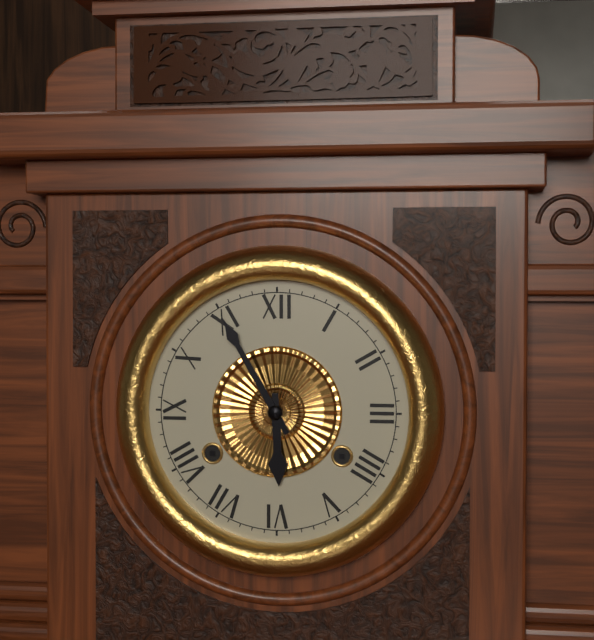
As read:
{"hour": 5, "minute": 55}
